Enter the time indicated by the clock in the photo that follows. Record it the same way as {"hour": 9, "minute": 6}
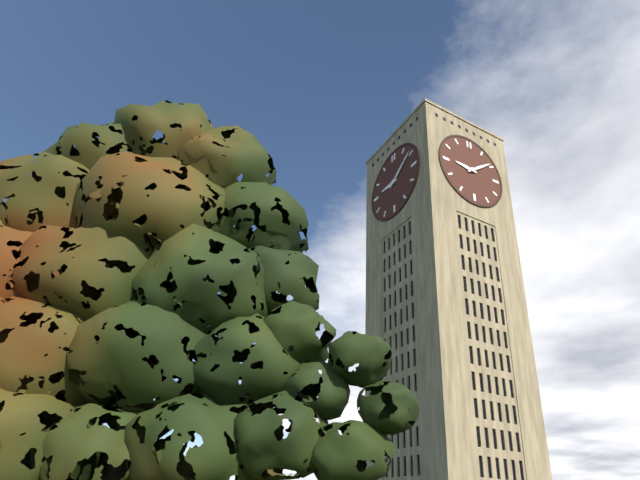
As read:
{"hour": 9, "minute": 9}
